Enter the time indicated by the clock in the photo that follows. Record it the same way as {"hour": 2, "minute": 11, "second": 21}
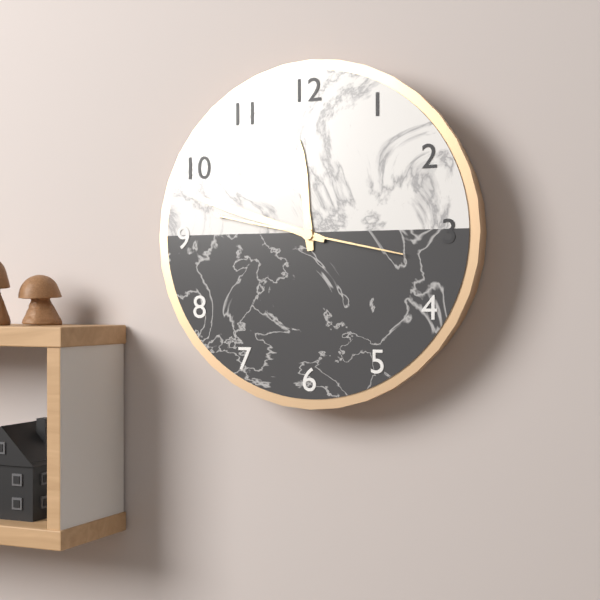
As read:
{"hour": 11, "minute": 48, "second": 47}
